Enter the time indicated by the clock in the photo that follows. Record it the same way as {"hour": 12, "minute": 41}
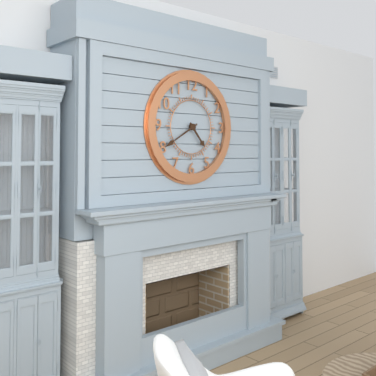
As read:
{"hour": 4, "minute": 40}
